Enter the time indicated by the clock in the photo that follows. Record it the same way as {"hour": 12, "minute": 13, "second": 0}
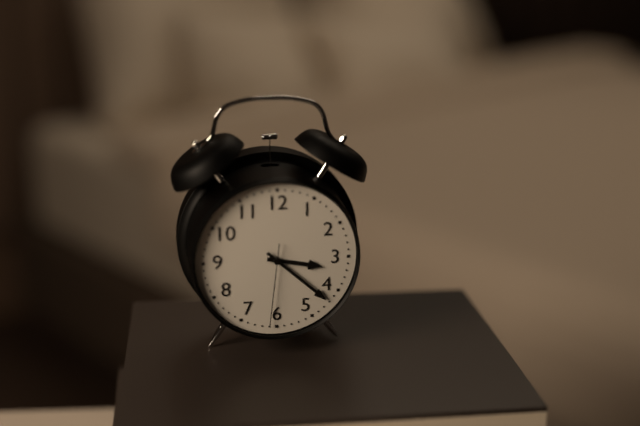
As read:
{"hour": 3, "minute": 22, "second": 31}
